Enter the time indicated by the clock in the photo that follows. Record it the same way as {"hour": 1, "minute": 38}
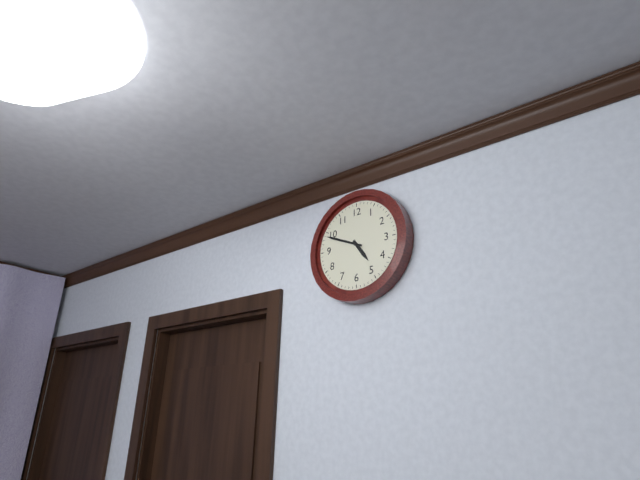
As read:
{"hour": 4, "minute": 49}
